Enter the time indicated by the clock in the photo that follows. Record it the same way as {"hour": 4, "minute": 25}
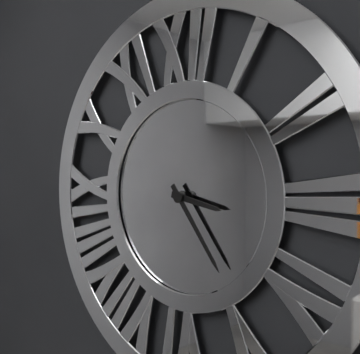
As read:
{"hour": 3, "minute": 24}
